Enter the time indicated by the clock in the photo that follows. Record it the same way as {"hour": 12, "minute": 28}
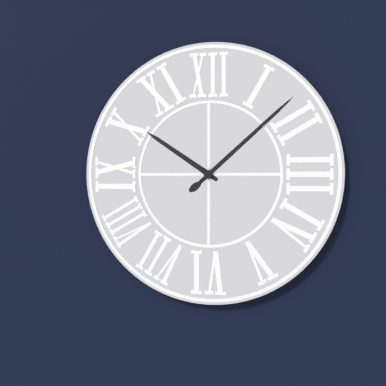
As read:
{"hour": 10, "minute": 8}
